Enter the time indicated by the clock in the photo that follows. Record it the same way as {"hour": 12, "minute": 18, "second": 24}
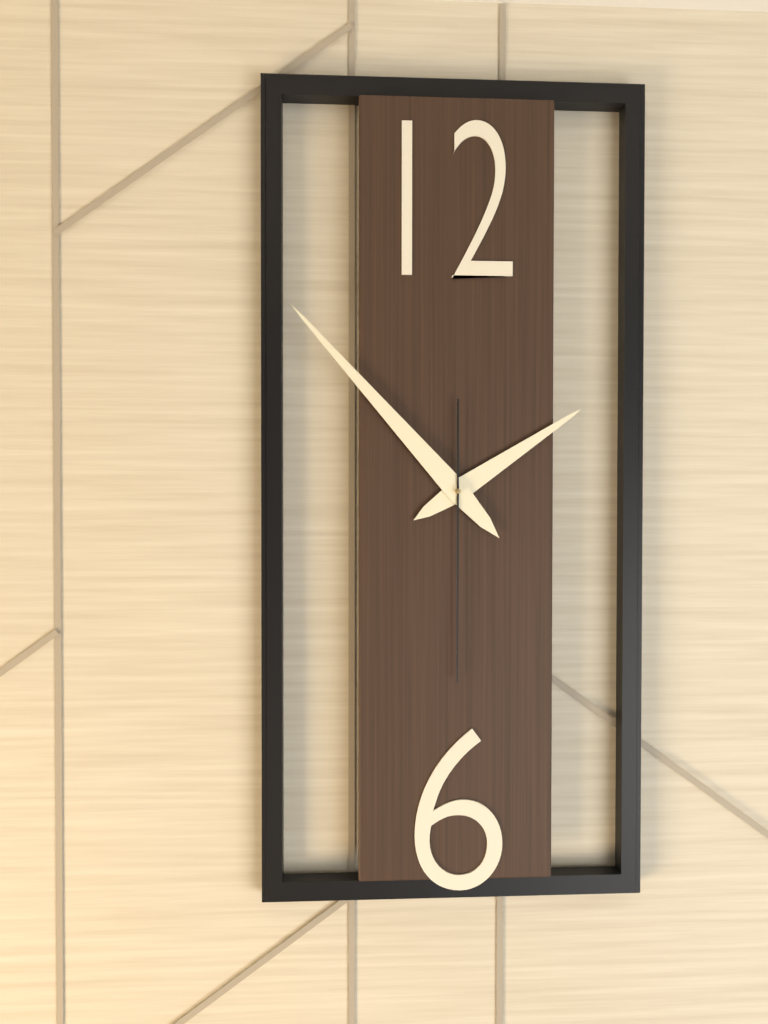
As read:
{"hour": 1, "minute": 53, "second": 30}
